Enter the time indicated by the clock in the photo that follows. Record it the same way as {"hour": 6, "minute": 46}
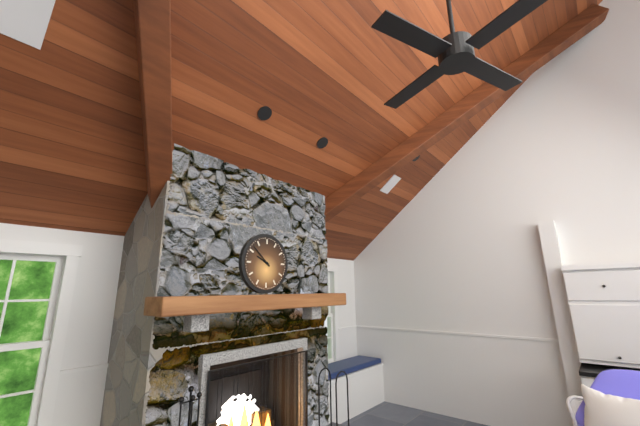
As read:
{"hour": 9, "minute": 52}
